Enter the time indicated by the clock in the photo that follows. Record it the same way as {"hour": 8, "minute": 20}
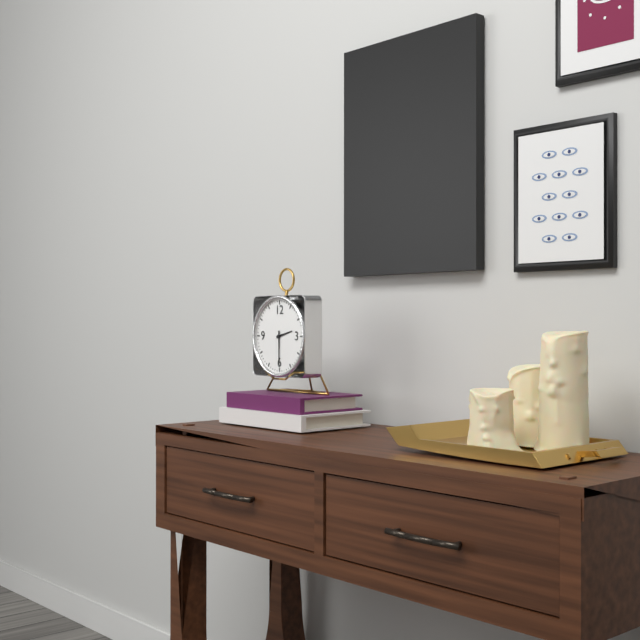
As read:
{"hour": 2, "minute": 30}
